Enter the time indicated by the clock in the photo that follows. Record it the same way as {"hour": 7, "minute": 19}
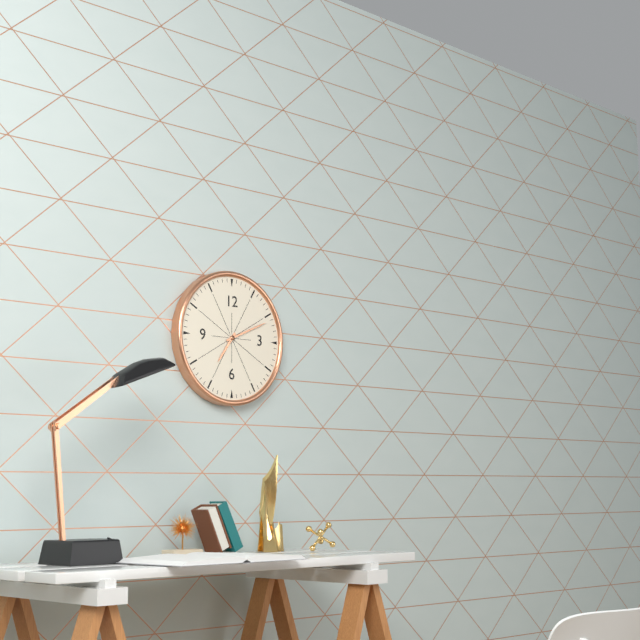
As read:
{"hour": 7, "minute": 11}
